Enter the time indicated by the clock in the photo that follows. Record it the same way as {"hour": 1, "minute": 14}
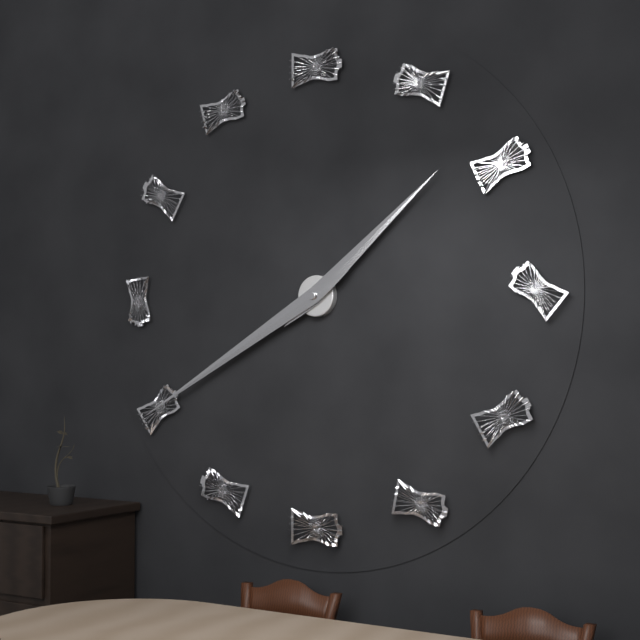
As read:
{"hour": 1, "minute": 40}
